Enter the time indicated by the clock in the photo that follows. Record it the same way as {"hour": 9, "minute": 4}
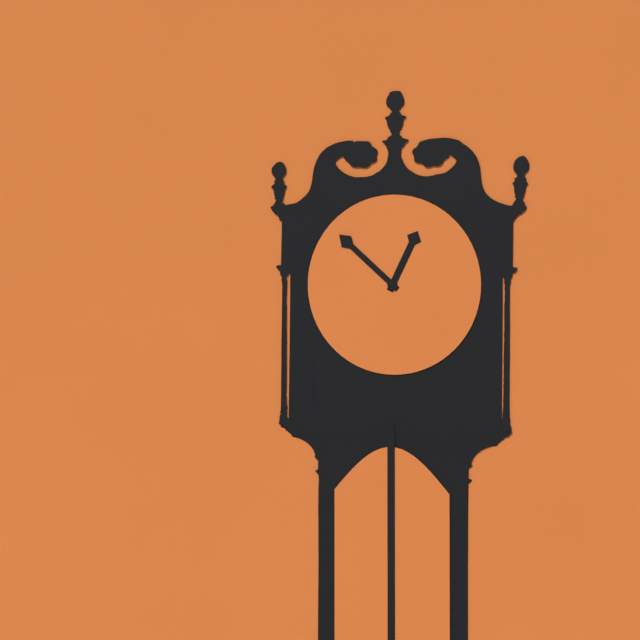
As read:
{"hour": 12, "minute": 52}
